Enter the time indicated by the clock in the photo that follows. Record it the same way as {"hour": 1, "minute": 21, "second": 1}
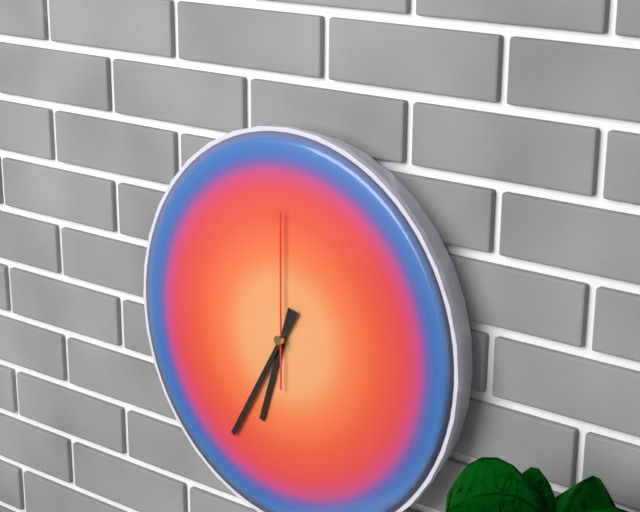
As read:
{"hour": 6, "minute": 35, "second": 0}
